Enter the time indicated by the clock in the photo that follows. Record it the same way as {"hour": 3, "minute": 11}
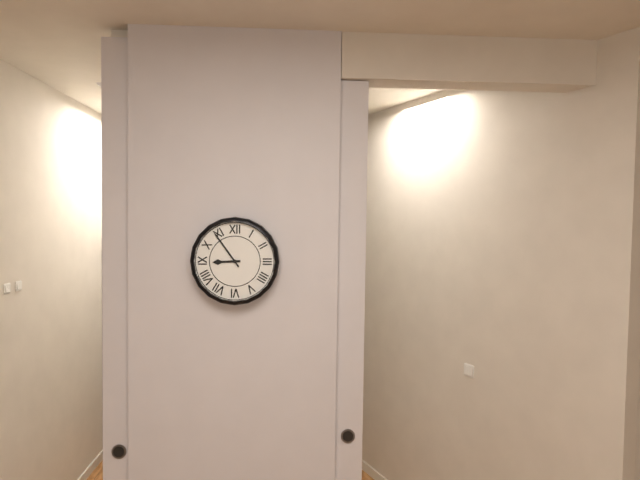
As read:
{"hour": 8, "minute": 54}
